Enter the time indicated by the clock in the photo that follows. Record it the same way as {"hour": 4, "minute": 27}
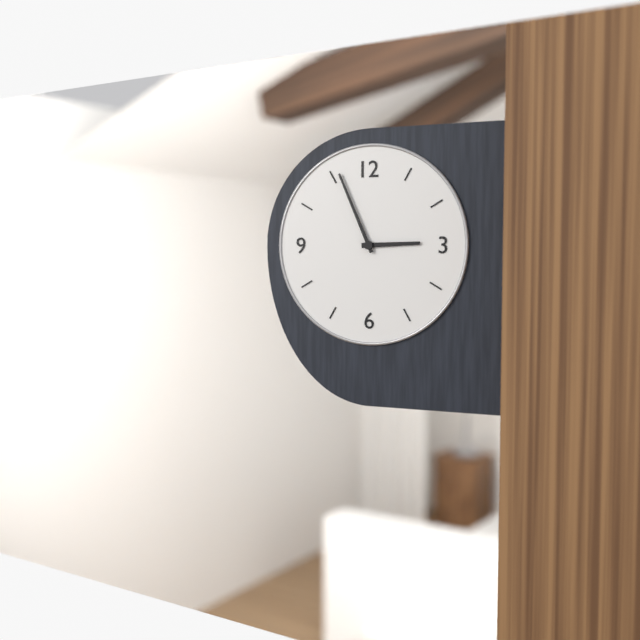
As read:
{"hour": 2, "minute": 56}
